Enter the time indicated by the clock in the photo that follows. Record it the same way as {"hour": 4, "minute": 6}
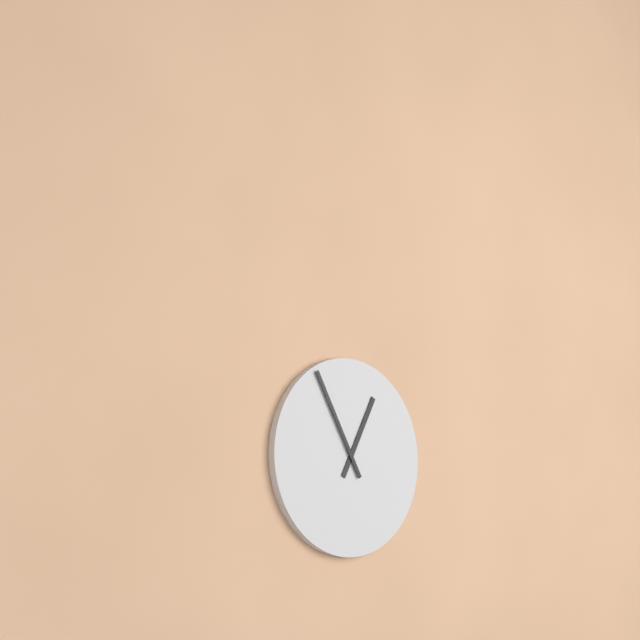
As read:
{"hour": 12, "minute": 55}
